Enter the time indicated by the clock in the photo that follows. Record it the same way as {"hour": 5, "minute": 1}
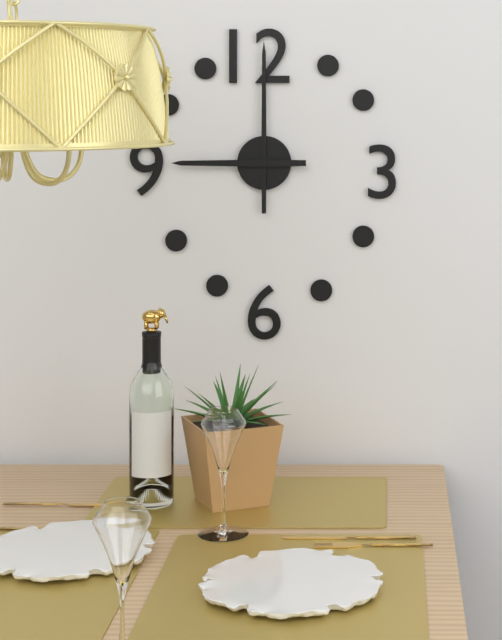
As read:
{"hour": 9, "minute": 0}
